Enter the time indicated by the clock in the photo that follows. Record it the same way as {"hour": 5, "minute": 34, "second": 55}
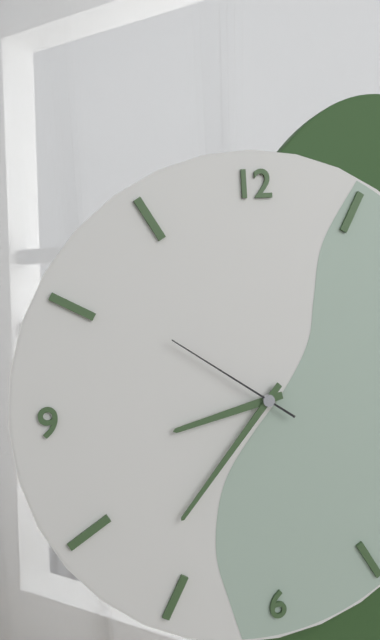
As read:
{"hour": 8, "minute": 37, "second": 51}
